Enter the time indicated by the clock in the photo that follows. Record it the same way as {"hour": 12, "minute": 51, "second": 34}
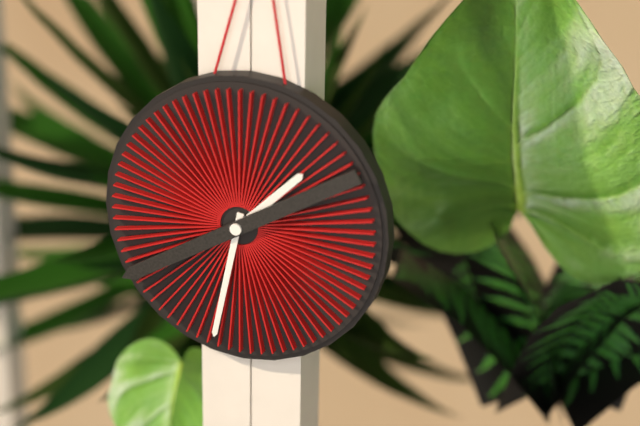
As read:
{"hour": 1, "minute": 32, "second": 40}
